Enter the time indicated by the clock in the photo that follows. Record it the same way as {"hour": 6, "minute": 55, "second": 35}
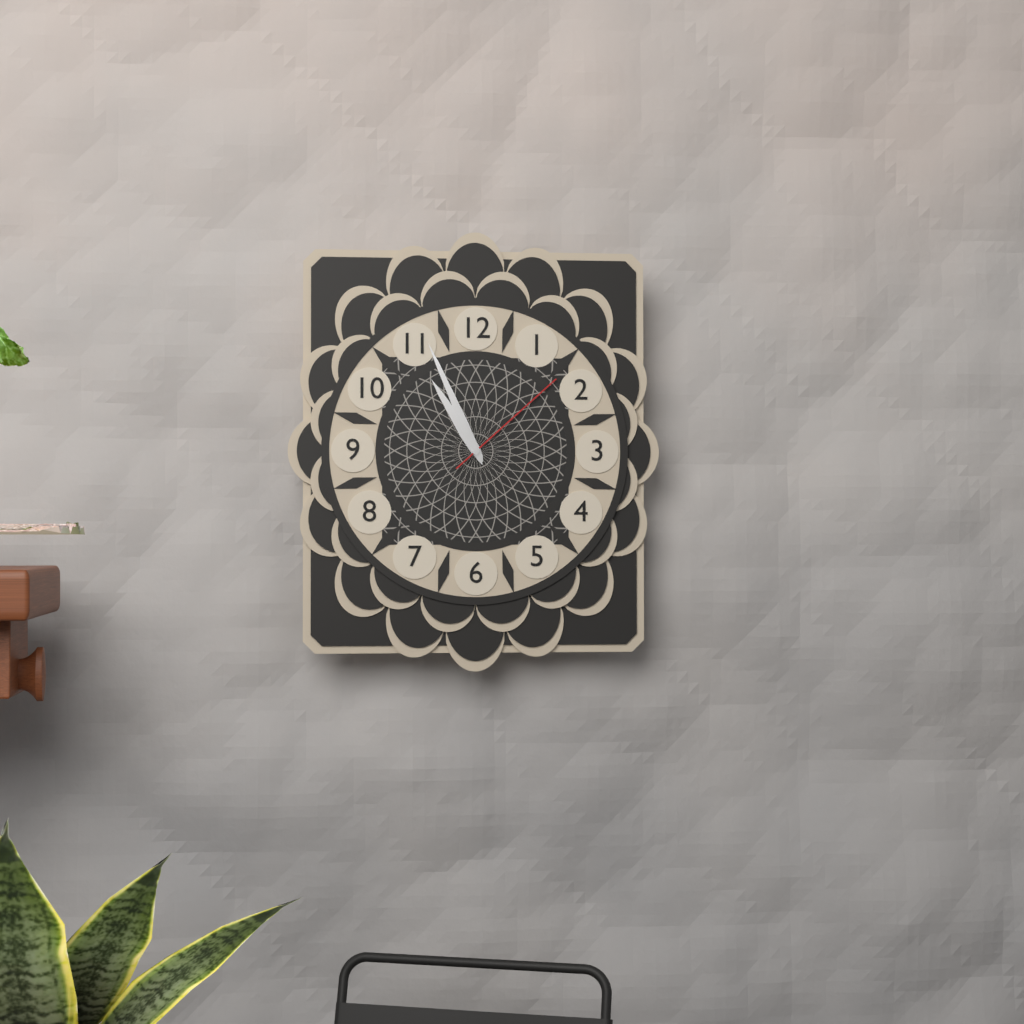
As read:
{"hour": 10, "minute": 56, "second": 8}
